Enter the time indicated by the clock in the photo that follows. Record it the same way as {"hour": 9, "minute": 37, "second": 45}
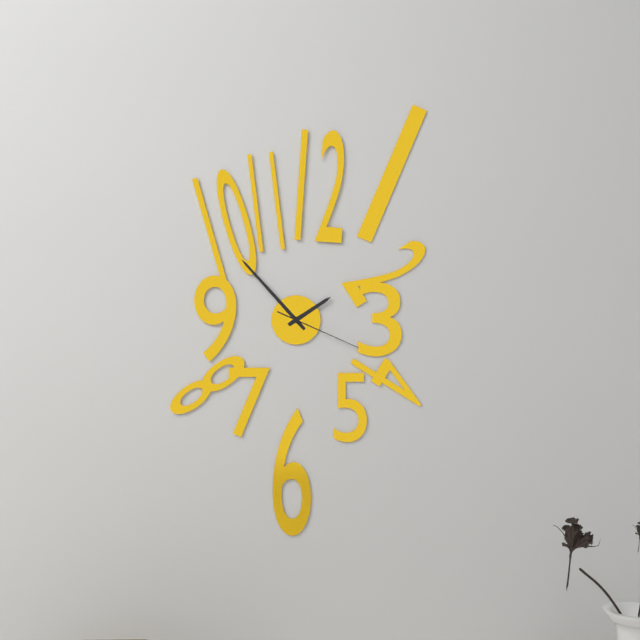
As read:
{"hour": 1, "minute": 53, "second": 19}
